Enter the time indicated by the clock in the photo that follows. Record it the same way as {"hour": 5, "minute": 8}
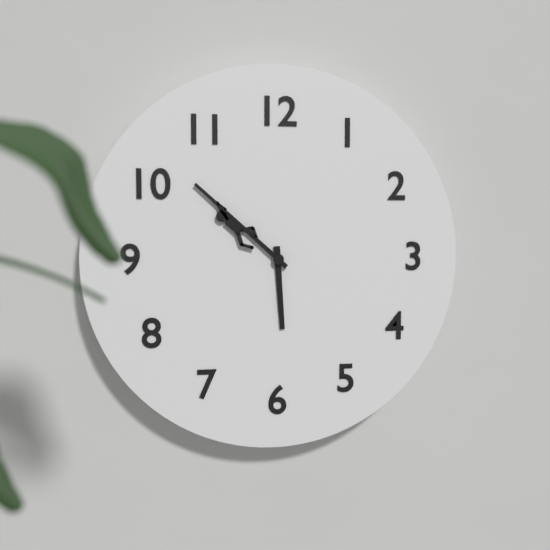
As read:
{"hour": 5, "minute": 52}
